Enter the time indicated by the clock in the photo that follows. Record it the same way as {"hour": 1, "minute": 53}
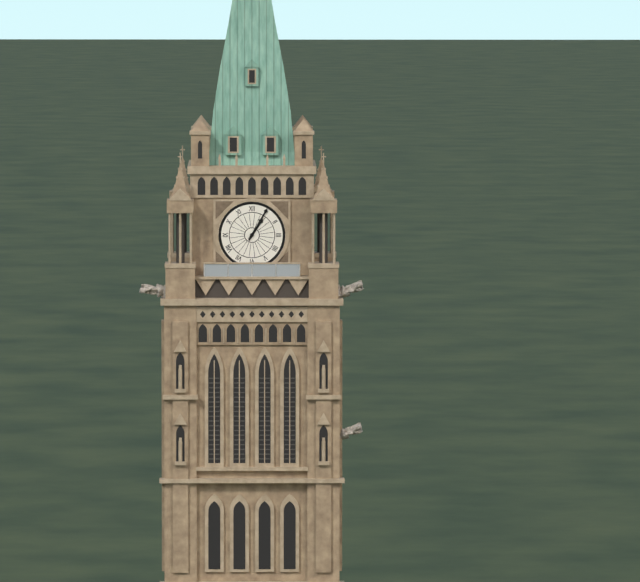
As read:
{"hour": 1, "minute": 5}
